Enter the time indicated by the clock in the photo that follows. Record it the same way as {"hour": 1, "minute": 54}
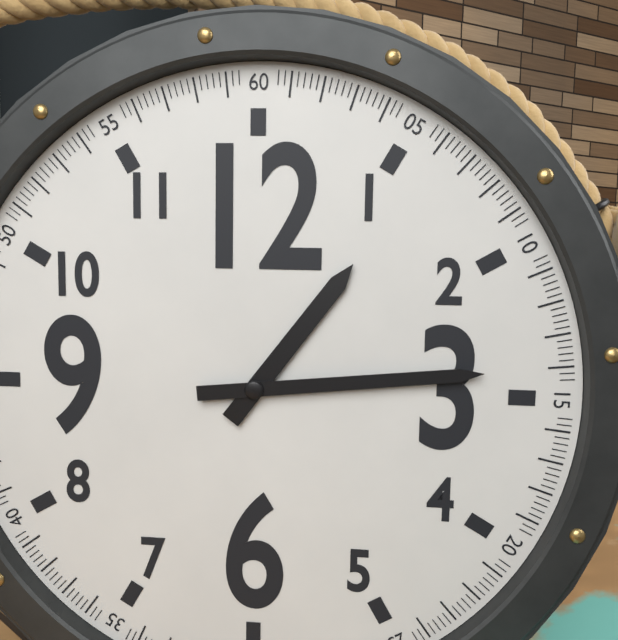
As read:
{"hour": 1, "minute": 14}
